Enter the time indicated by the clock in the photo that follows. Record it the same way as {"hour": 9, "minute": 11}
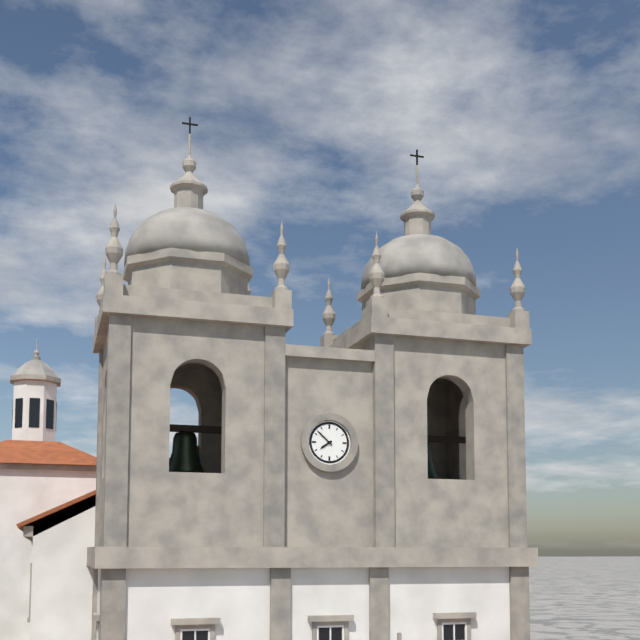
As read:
{"hour": 7, "minute": 52}
